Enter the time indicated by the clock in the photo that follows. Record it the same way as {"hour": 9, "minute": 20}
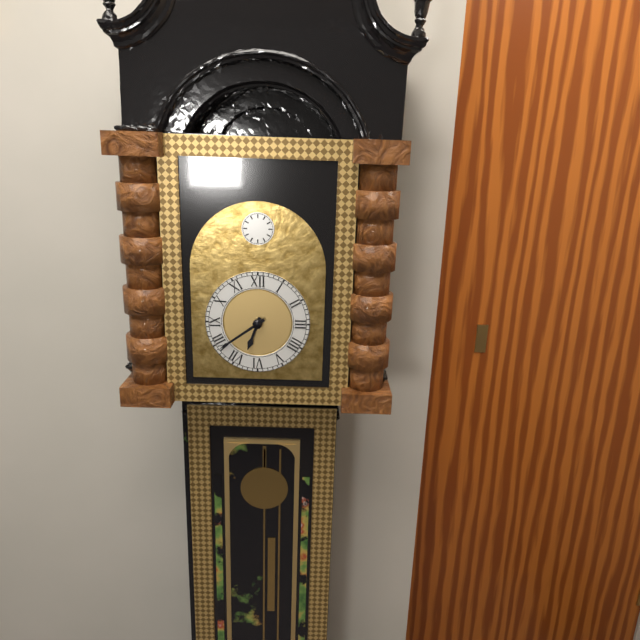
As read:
{"hour": 6, "minute": 39}
